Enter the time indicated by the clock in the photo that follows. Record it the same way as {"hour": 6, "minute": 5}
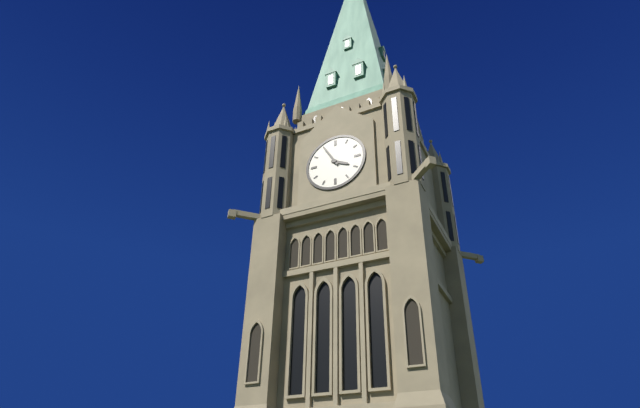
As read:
{"hour": 3, "minute": 55}
